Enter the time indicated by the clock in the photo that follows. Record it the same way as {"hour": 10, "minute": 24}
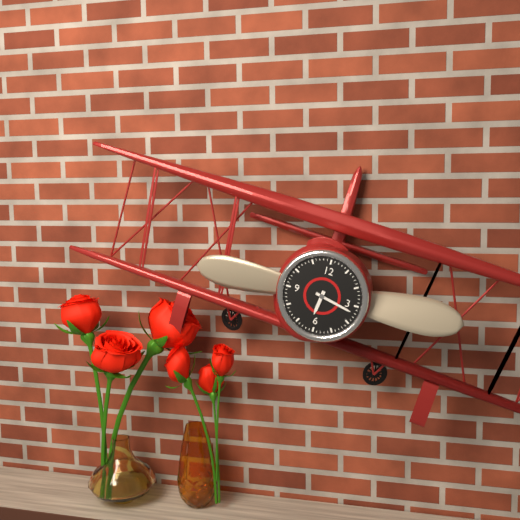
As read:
{"hour": 6, "minute": 17}
